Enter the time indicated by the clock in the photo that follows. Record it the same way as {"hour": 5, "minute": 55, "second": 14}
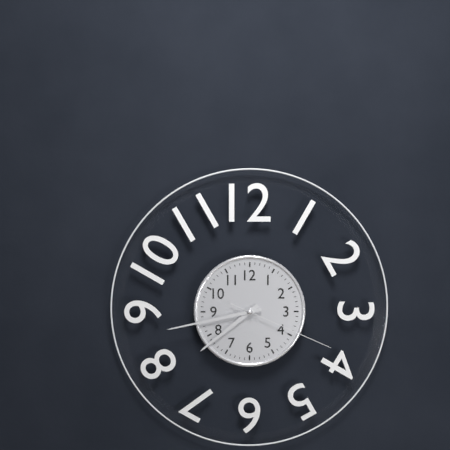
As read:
{"hour": 7, "minute": 43, "second": 19}
